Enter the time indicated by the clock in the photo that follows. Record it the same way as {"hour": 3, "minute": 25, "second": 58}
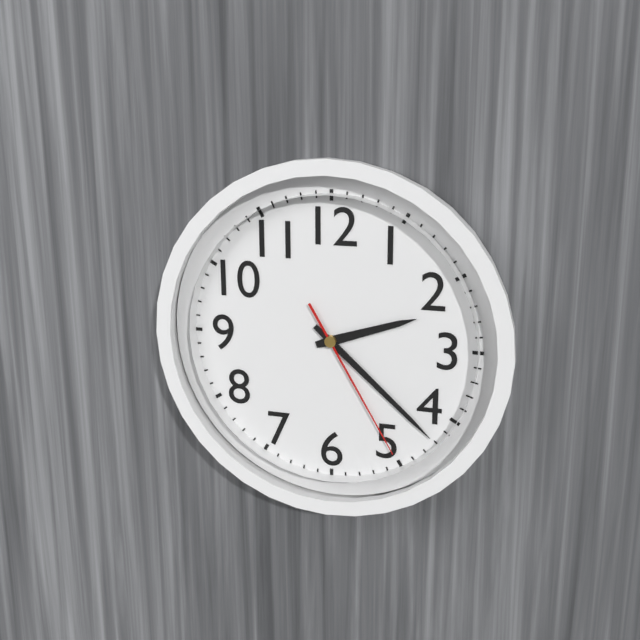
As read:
{"hour": 2, "minute": 22, "second": 25}
